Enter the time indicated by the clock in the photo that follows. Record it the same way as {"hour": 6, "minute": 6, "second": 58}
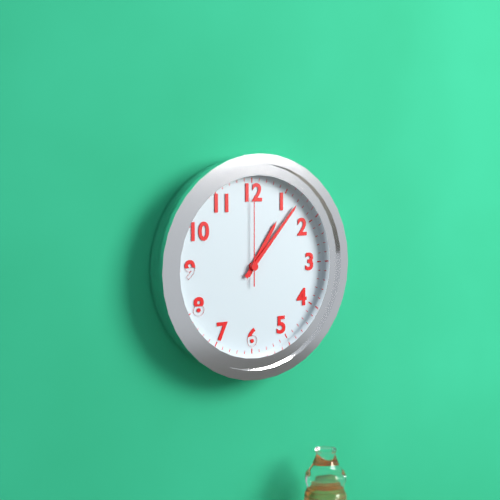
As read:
{"hour": 1, "minute": 7, "second": 0}
